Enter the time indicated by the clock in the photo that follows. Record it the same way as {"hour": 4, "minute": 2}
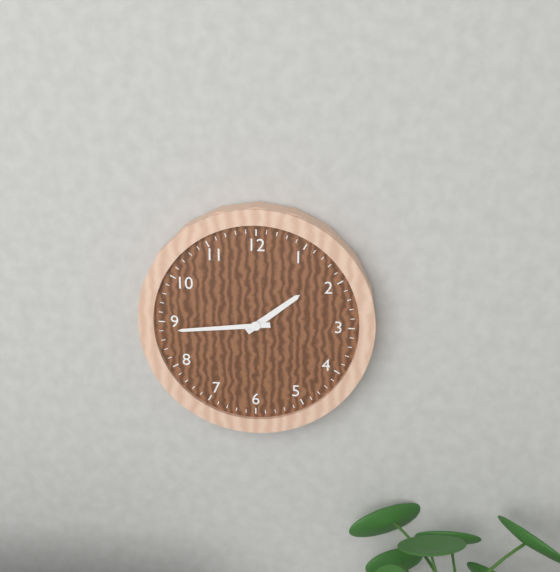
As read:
{"hour": 1, "minute": 44}
